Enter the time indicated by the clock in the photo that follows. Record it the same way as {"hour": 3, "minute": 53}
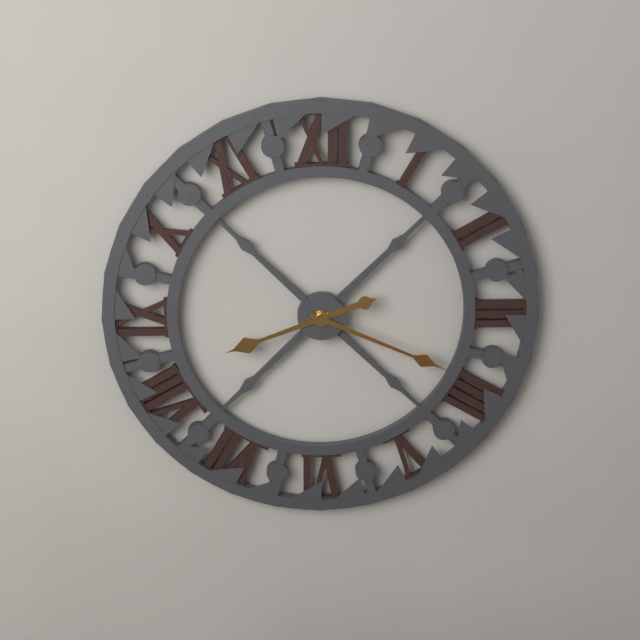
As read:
{"hour": 8, "minute": 19}
